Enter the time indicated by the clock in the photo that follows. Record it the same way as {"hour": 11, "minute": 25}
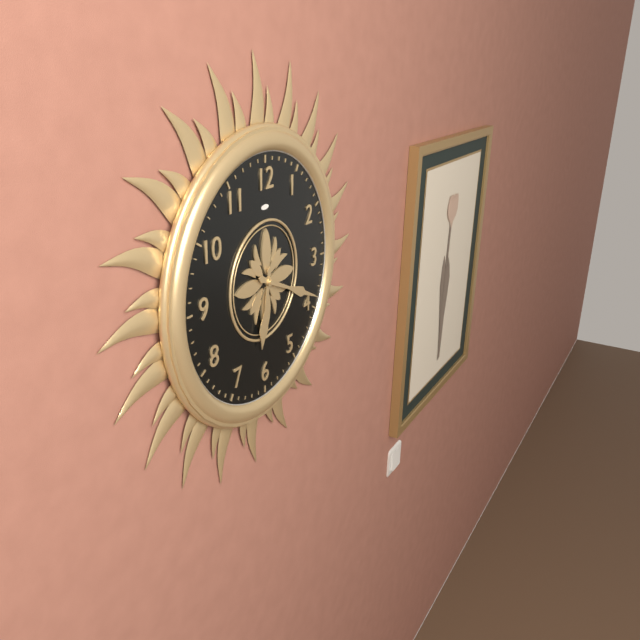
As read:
{"hour": 6, "minute": 19}
